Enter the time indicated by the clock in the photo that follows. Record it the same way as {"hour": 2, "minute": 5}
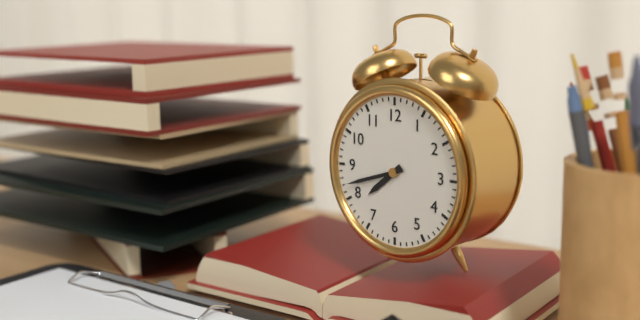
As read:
{"hour": 7, "minute": 42}
